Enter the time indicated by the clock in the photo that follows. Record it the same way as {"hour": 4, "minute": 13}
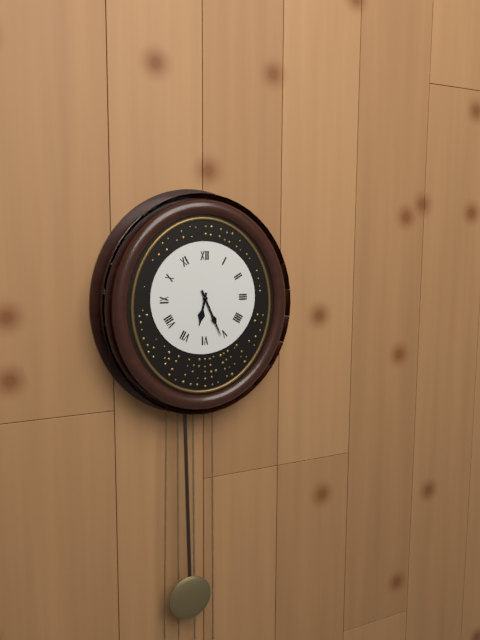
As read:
{"hour": 6, "minute": 26}
